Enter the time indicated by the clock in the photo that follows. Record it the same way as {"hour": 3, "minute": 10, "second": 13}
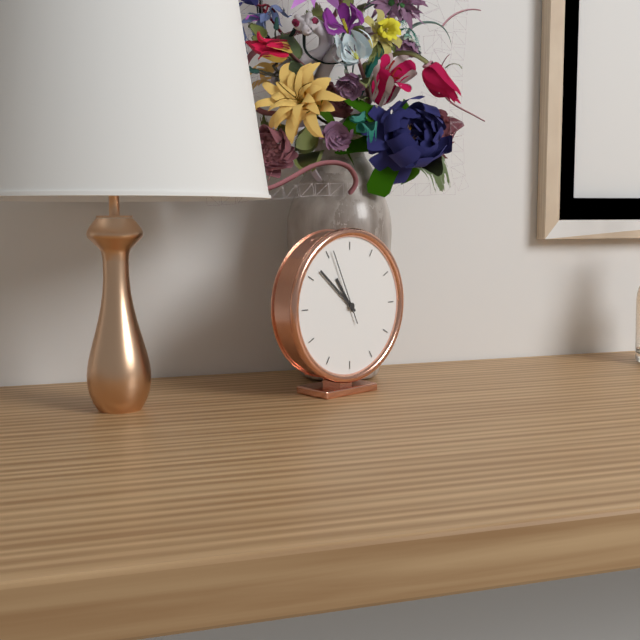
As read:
{"hour": 10, "minute": 52, "second": 56}
